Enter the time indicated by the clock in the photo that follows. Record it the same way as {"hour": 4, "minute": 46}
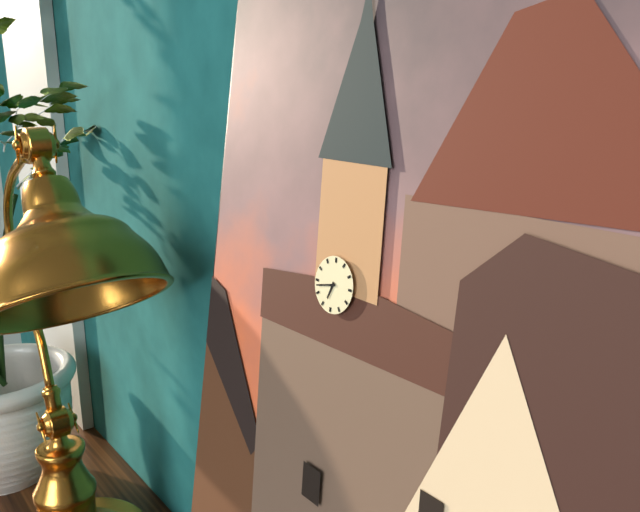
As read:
{"hour": 6, "minute": 43}
